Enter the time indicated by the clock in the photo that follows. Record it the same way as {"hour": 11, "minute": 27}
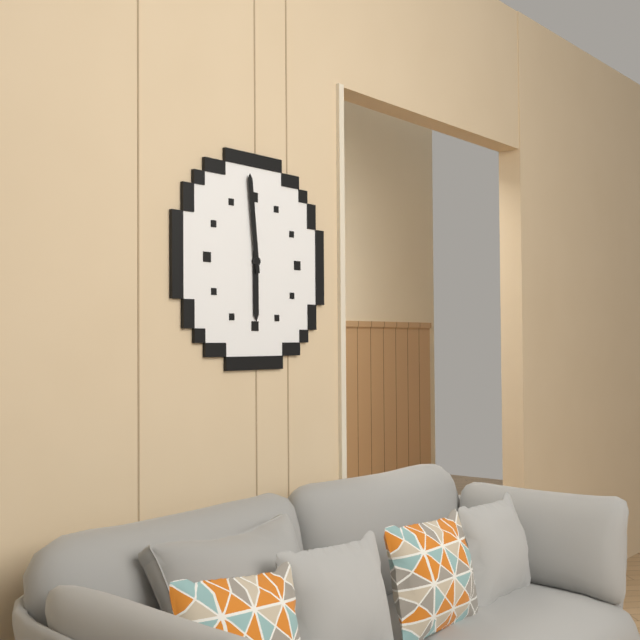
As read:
{"hour": 5, "minute": 59}
